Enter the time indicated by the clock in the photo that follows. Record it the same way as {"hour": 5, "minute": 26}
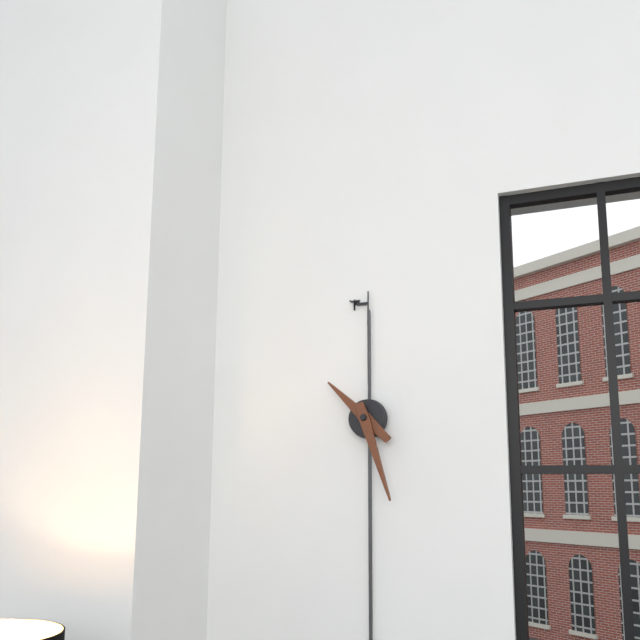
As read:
{"hour": 10, "minute": 27}
